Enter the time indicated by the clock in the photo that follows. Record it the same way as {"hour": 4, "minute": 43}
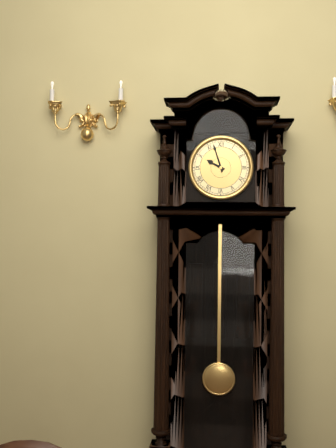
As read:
{"hour": 9, "minute": 57}
